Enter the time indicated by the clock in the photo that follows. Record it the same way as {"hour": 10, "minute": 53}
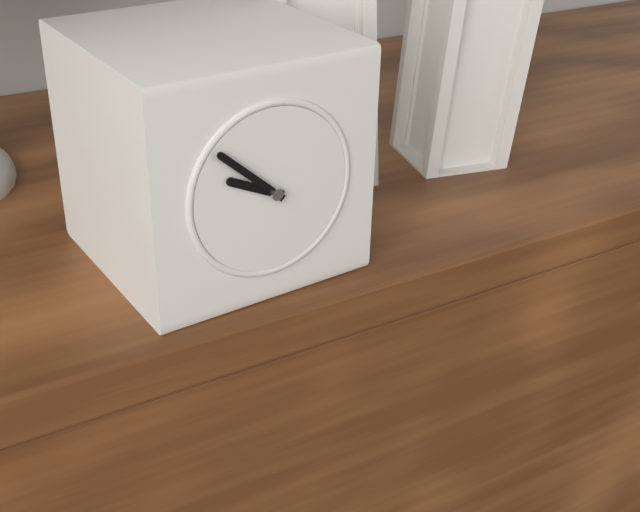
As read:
{"hour": 9, "minute": 52}
